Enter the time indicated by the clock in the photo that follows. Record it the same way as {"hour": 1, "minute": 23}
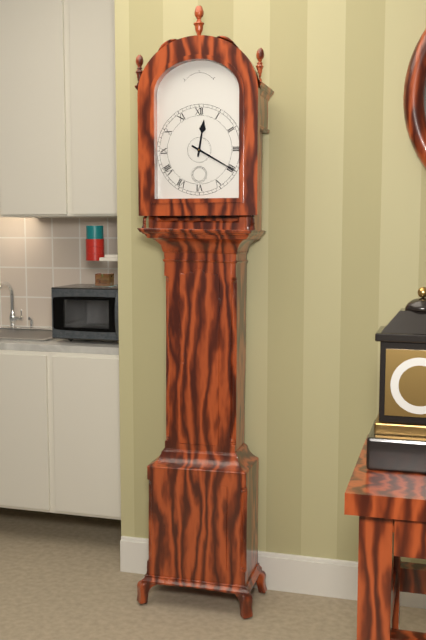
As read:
{"hour": 12, "minute": 20}
